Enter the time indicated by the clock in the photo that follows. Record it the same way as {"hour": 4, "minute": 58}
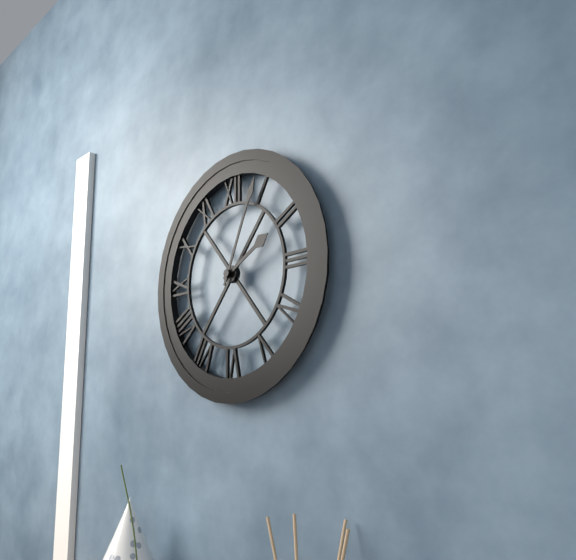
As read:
{"hour": 2, "minute": 4}
